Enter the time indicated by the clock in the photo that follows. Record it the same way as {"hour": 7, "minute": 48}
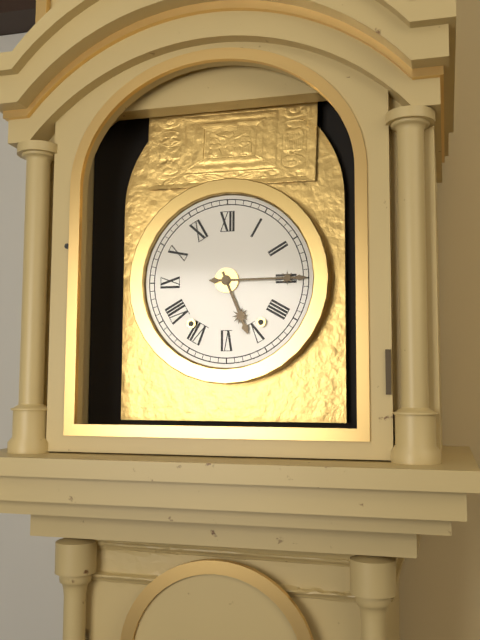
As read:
{"hour": 5, "minute": 15}
